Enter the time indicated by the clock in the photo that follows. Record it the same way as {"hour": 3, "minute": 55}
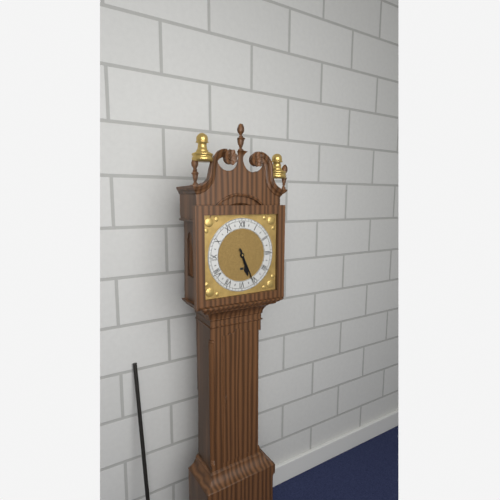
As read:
{"hour": 5, "minute": 26}
